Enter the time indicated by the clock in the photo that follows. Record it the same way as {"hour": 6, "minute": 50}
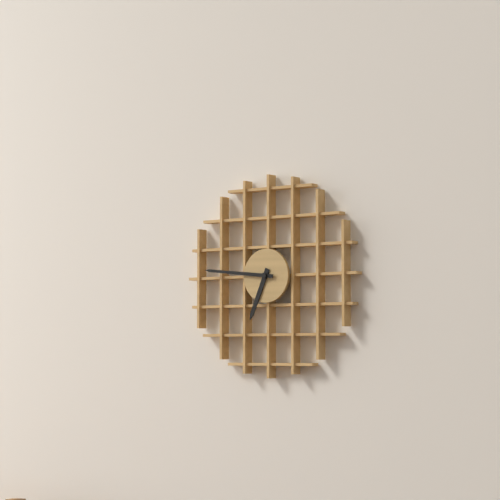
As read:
{"hour": 6, "minute": 46}
